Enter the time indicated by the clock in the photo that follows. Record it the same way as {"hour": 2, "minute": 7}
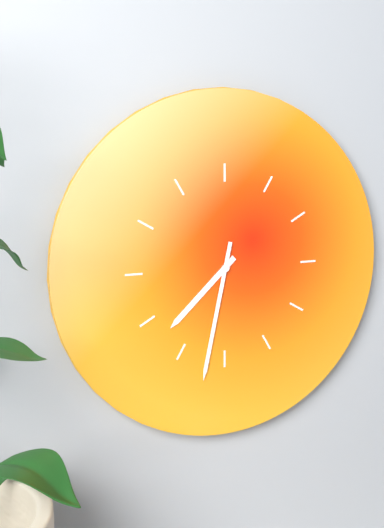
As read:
{"hour": 7, "minute": 32}
